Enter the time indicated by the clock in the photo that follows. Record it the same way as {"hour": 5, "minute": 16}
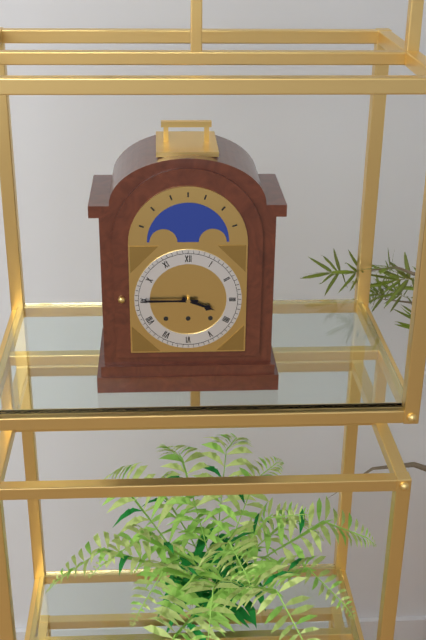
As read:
{"hour": 3, "minute": 45}
